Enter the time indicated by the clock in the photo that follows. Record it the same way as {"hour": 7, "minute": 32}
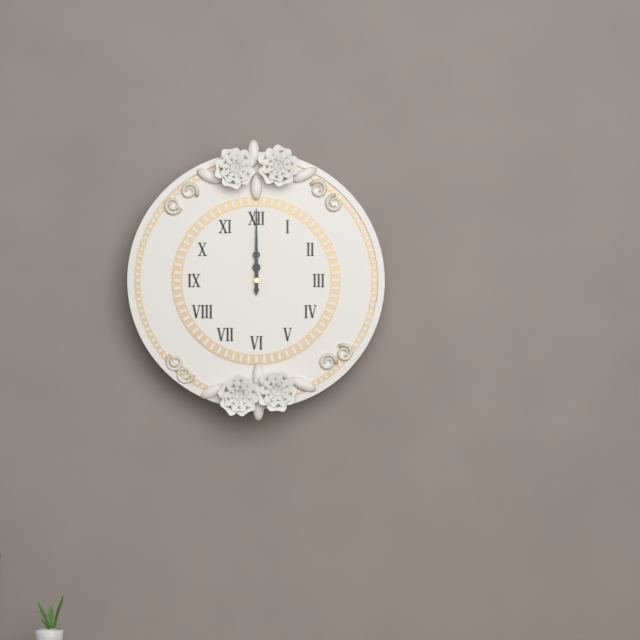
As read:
{"hour": 12, "minute": 0}
